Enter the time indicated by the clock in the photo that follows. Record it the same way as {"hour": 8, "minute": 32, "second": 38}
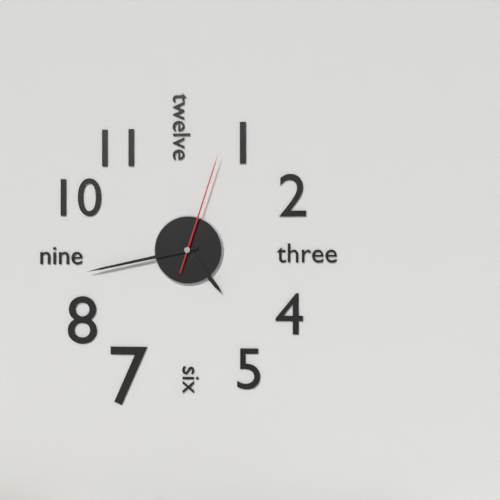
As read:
{"hour": 4, "minute": 43, "second": 3}
